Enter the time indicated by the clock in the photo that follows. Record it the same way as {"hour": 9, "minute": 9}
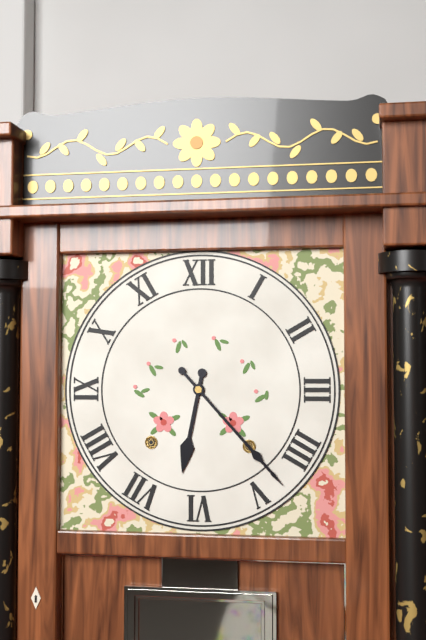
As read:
{"hour": 6, "minute": 23}
